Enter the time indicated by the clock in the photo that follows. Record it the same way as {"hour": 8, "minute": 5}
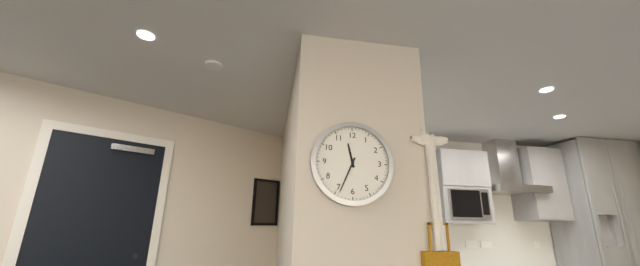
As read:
{"hour": 11, "minute": 34}
